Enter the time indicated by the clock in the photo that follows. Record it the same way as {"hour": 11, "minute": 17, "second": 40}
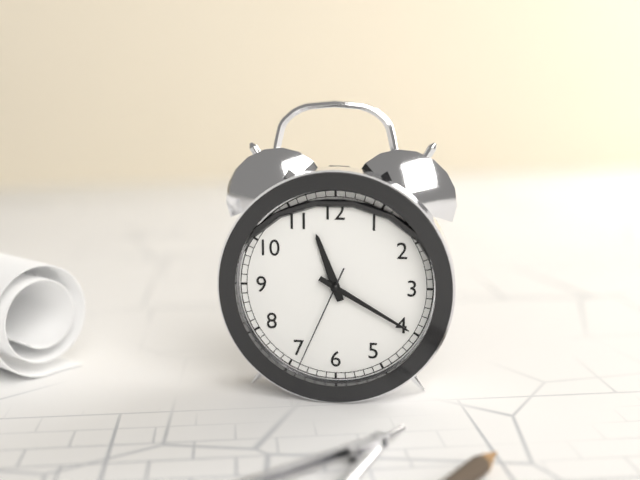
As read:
{"hour": 11, "minute": 20, "second": 34}
